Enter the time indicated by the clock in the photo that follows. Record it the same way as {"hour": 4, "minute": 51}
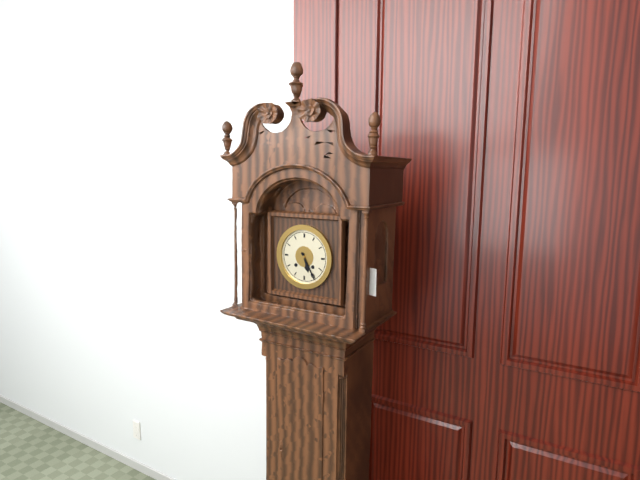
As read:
{"hour": 5, "minute": 25}
